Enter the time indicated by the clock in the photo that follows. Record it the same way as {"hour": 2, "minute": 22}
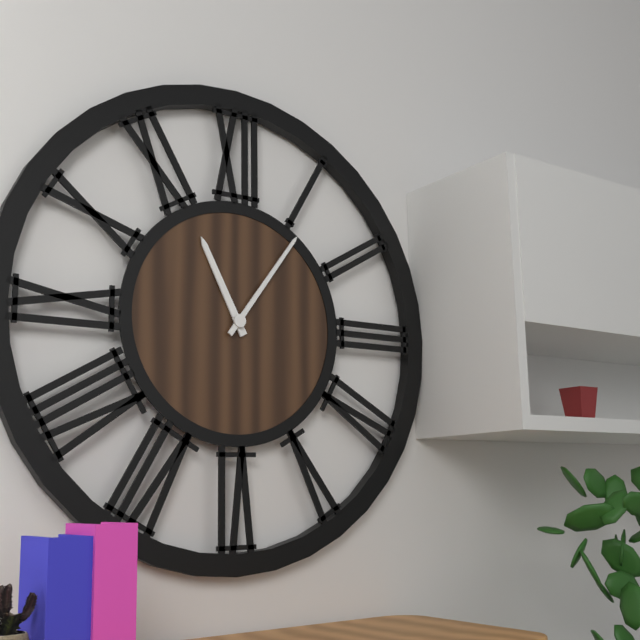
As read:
{"hour": 11, "minute": 6}
